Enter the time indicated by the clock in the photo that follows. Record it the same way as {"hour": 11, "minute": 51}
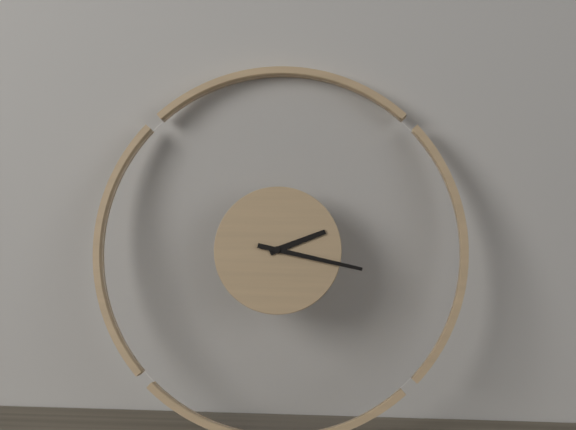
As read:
{"hour": 2, "minute": 17}
